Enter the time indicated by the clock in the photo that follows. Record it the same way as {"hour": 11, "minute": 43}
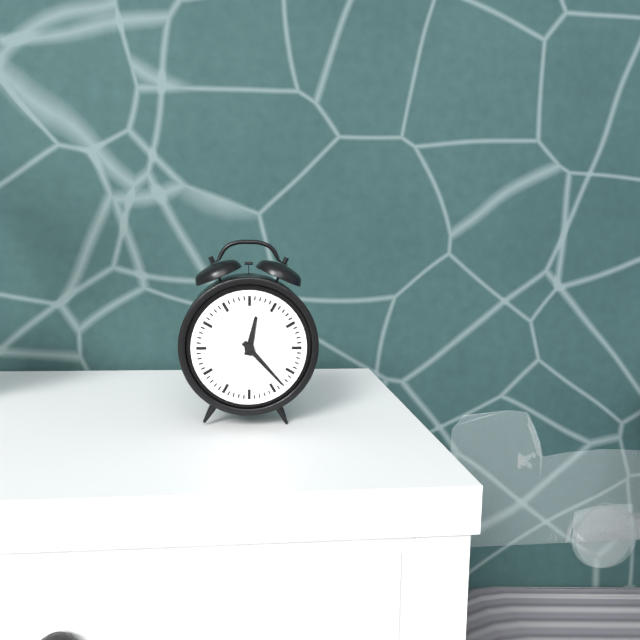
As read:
{"hour": 12, "minute": 23}
